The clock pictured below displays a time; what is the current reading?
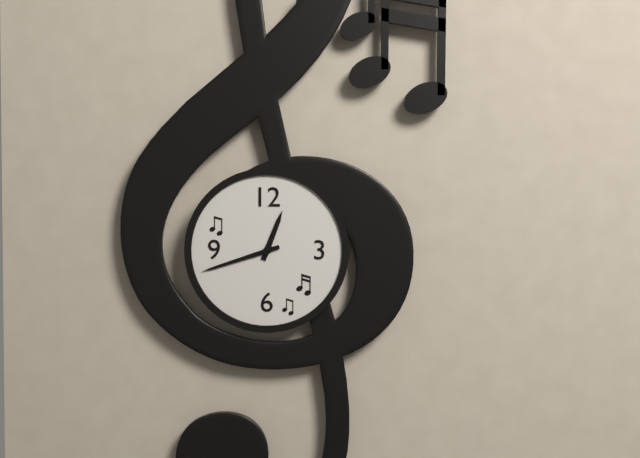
12:42
